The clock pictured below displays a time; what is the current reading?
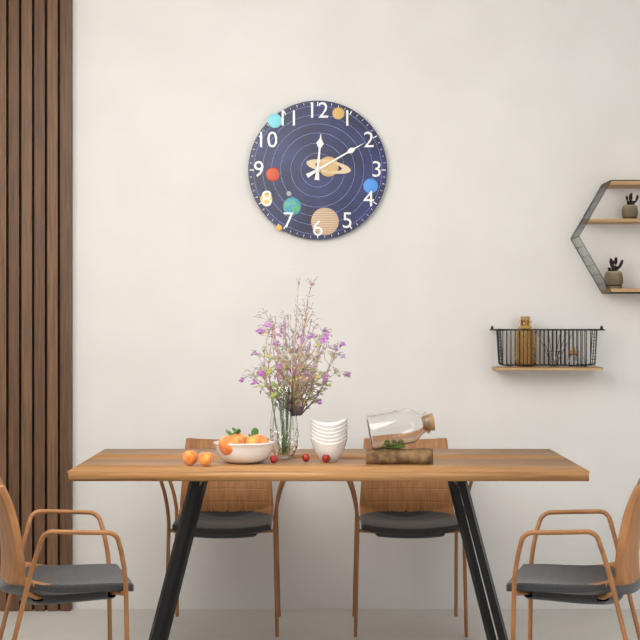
12:10
